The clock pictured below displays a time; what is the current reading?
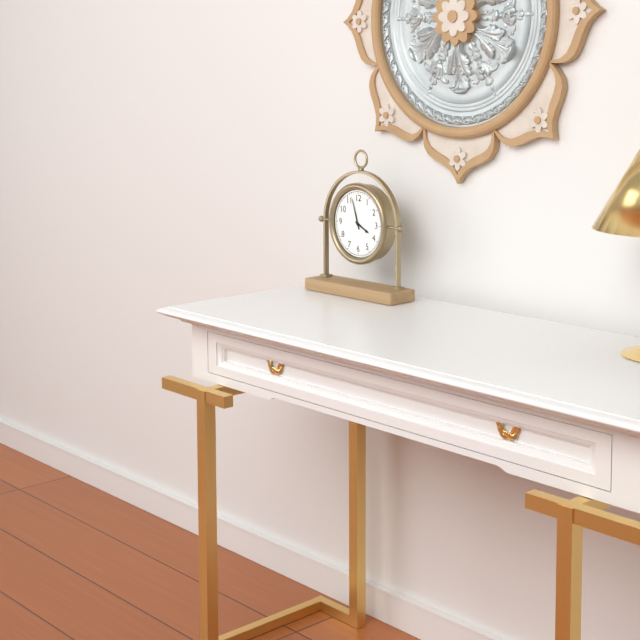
3:57
